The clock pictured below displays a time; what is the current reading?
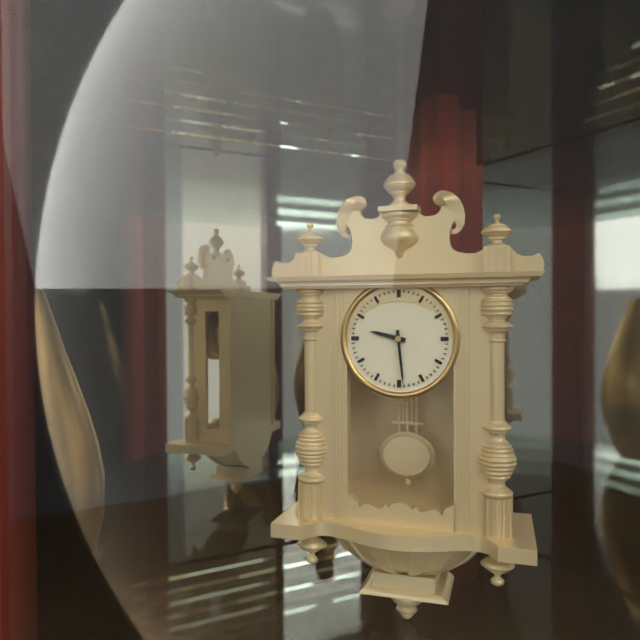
9:29
